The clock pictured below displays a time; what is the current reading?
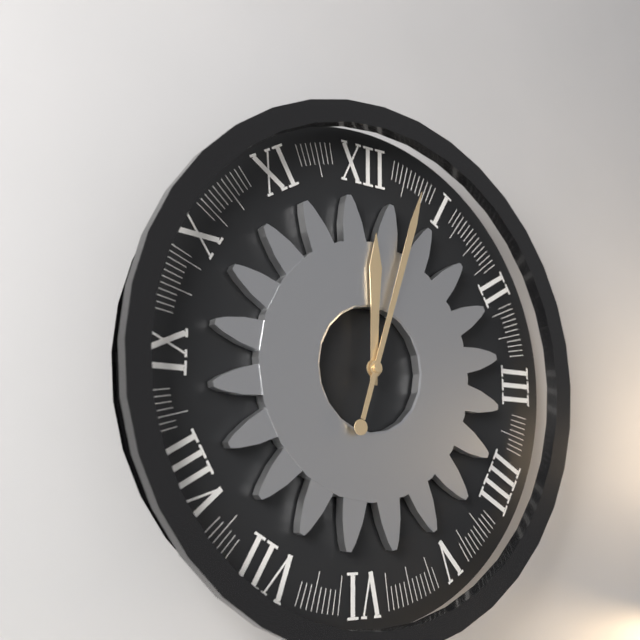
12:03
